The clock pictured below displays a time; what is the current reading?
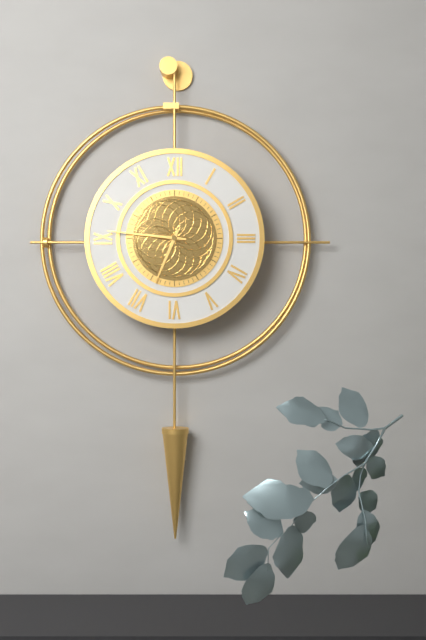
6:46
